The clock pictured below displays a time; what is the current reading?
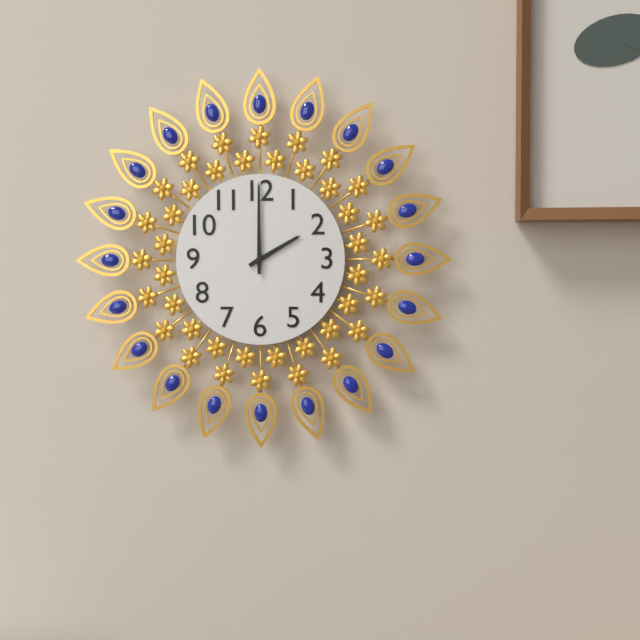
2:00
